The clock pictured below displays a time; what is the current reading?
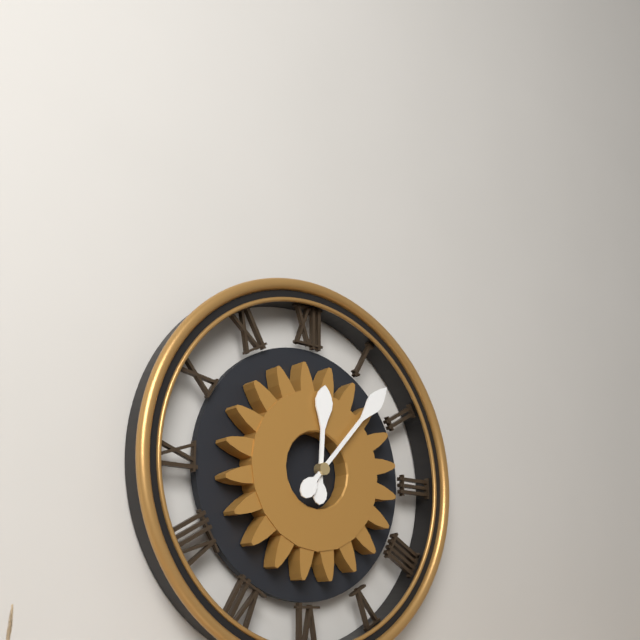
12:07
